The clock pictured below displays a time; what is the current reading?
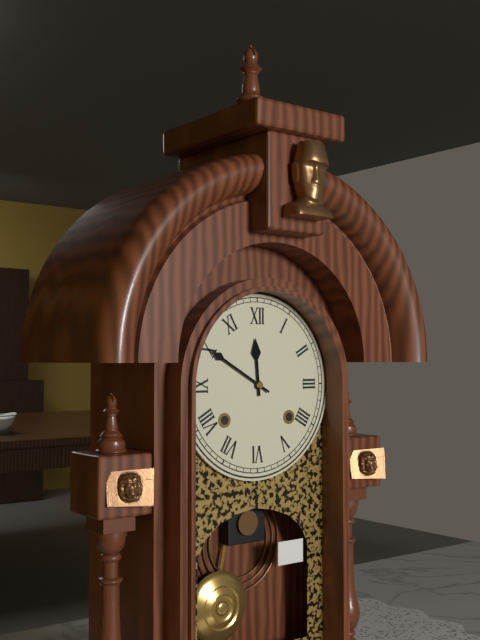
11:50
